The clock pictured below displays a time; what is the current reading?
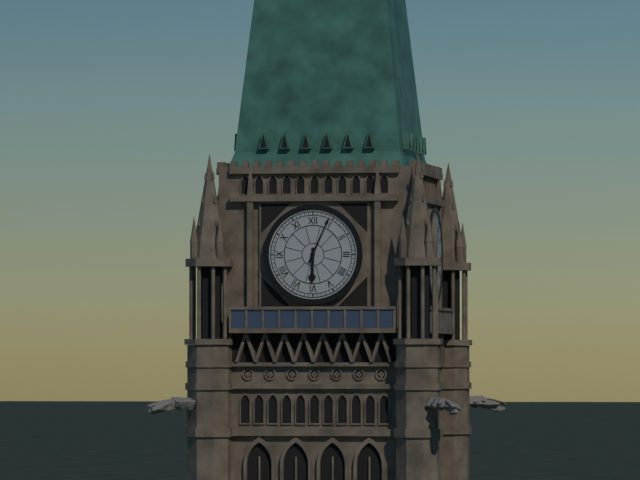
6:04
